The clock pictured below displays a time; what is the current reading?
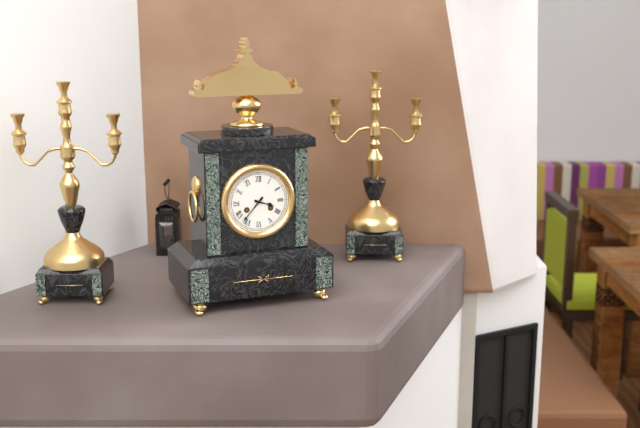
3:37
